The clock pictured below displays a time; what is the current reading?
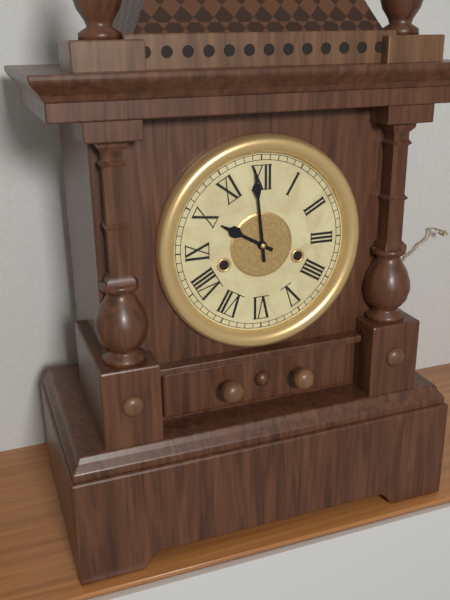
9:59
